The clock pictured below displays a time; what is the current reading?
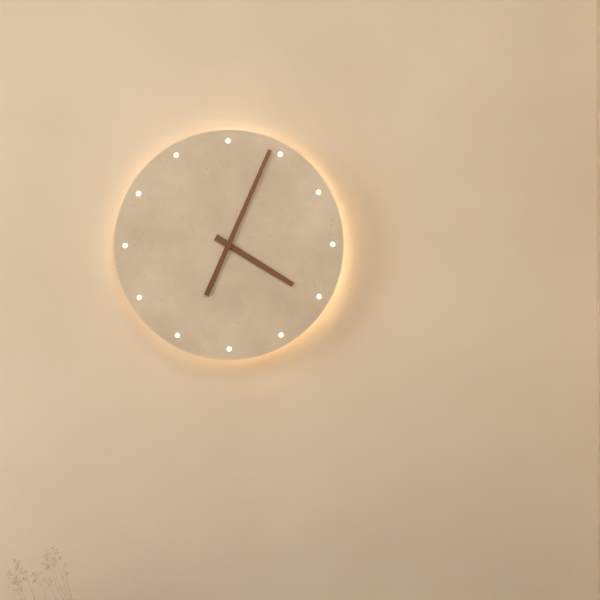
4:04
